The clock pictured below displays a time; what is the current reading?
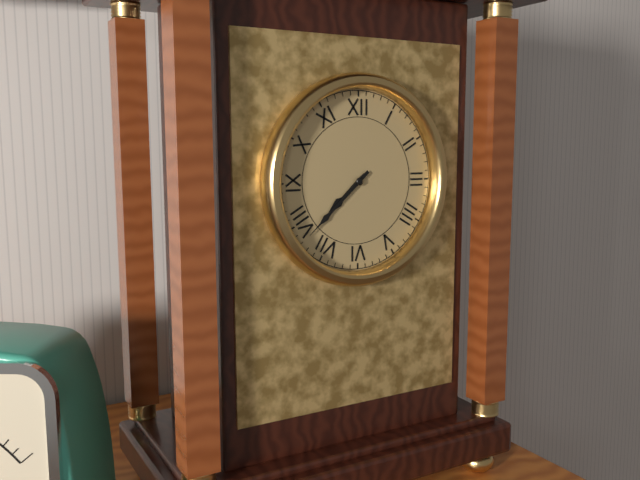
7:38
